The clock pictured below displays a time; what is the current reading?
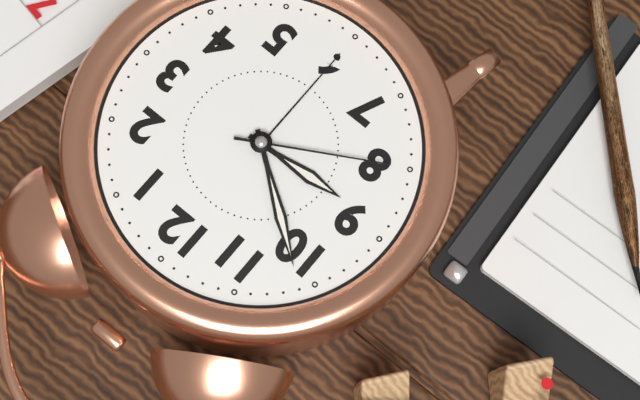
8:51:40
